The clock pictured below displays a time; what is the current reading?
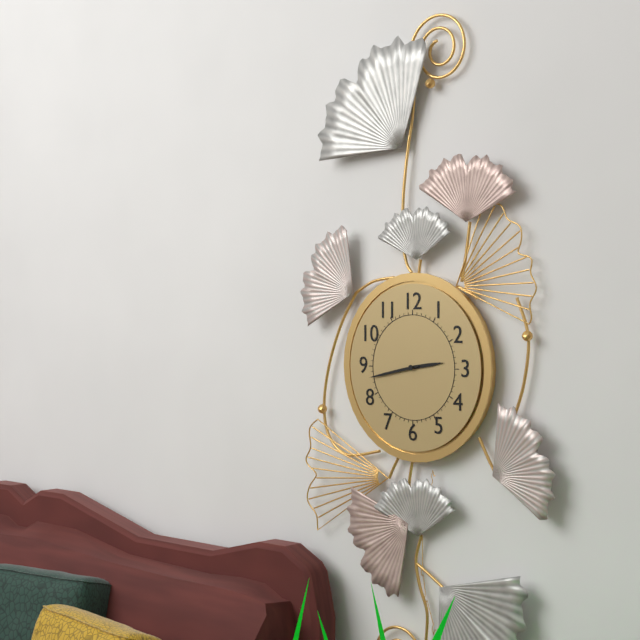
2:43
